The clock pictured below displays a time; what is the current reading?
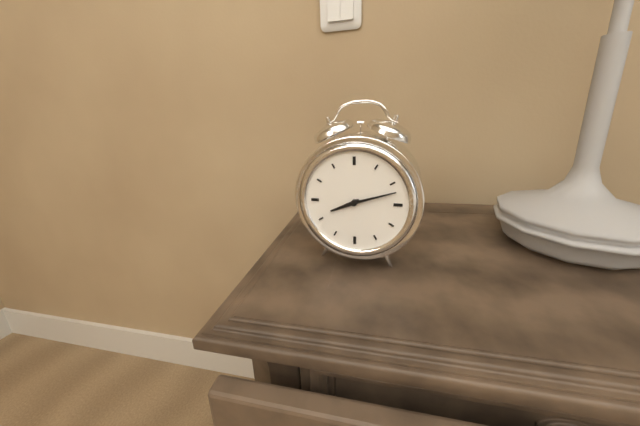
8:12
